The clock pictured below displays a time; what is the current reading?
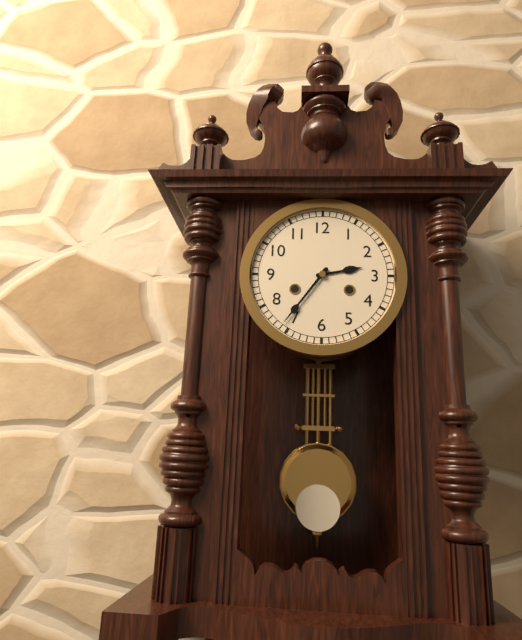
2:36
